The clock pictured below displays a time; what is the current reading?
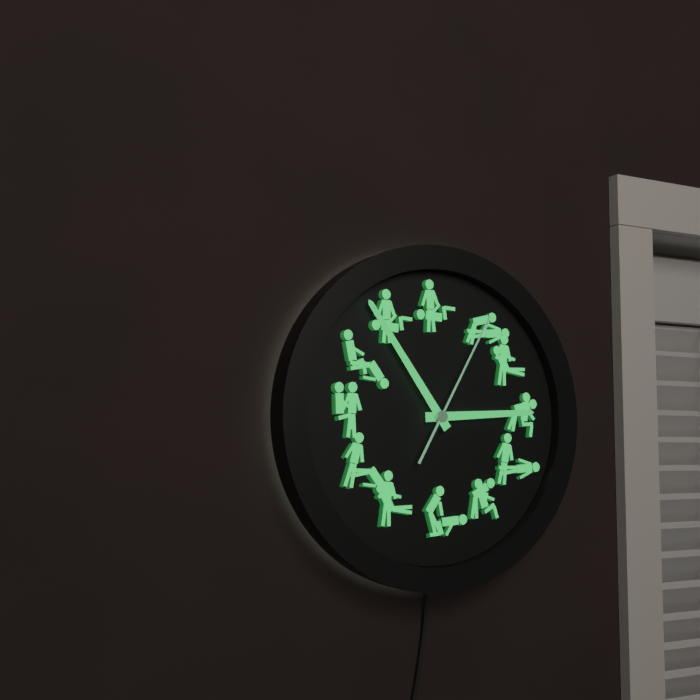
2:54:05
